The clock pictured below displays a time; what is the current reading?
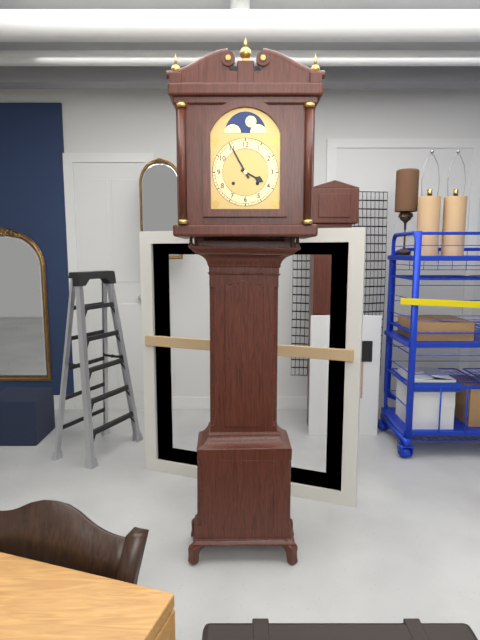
3:55
